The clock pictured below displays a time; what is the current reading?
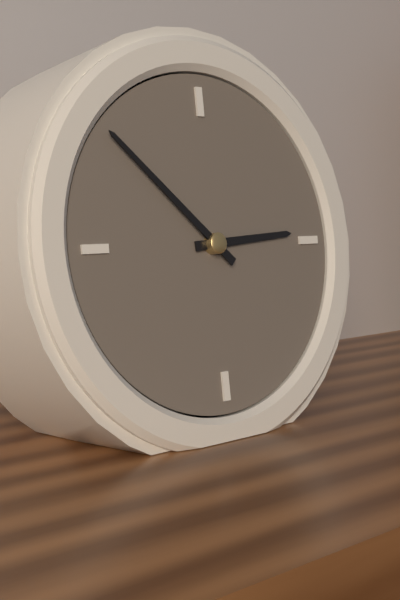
2:52
